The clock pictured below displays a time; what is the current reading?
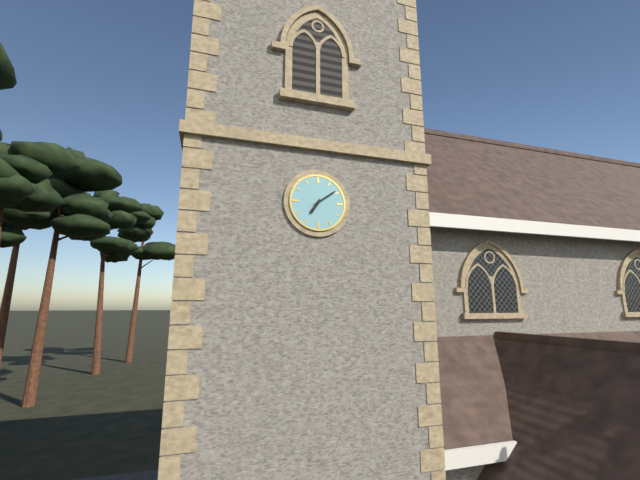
7:09
